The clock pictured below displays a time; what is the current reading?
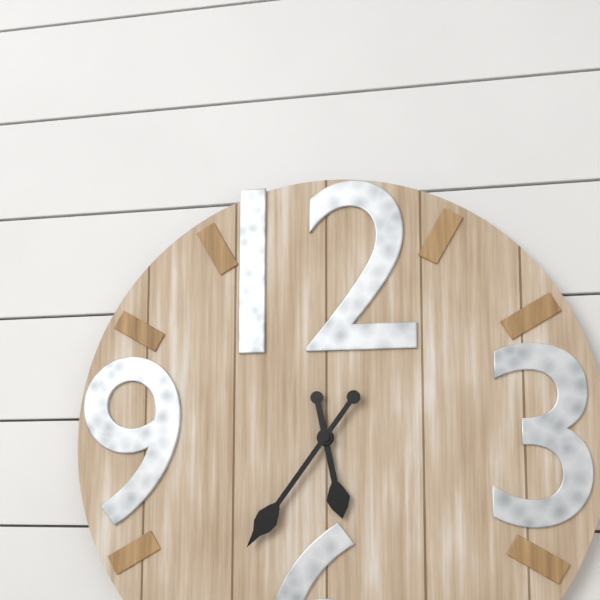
5:36
